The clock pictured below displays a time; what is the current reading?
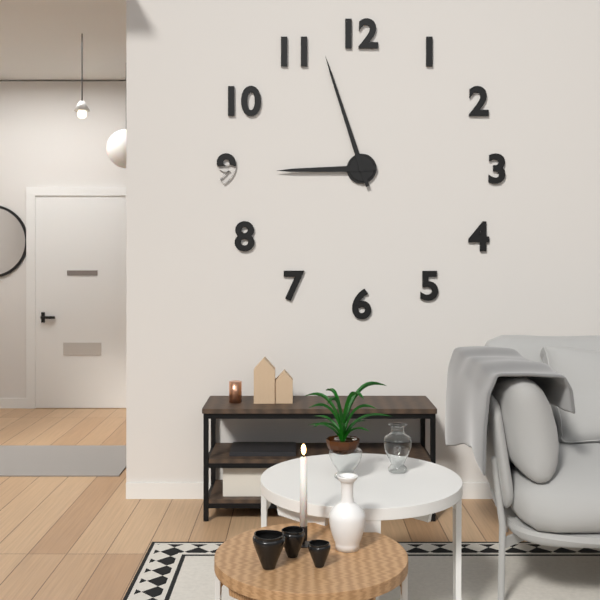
8:57
